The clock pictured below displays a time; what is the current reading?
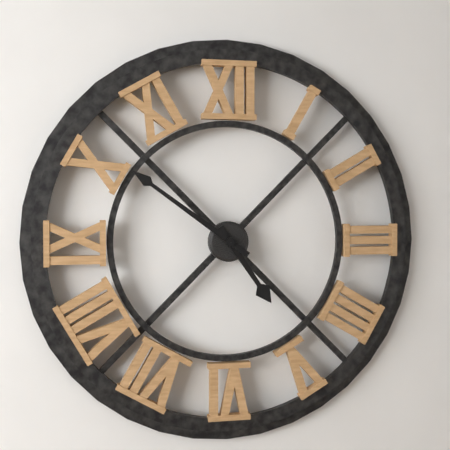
4:51
